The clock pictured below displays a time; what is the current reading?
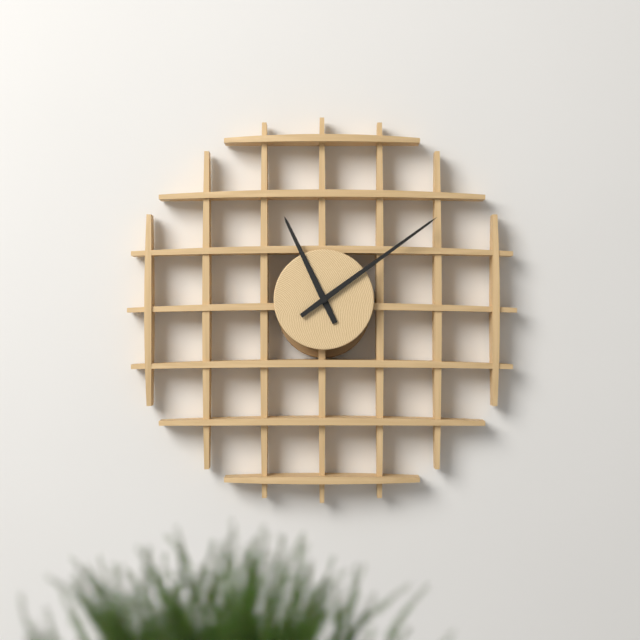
11:09
